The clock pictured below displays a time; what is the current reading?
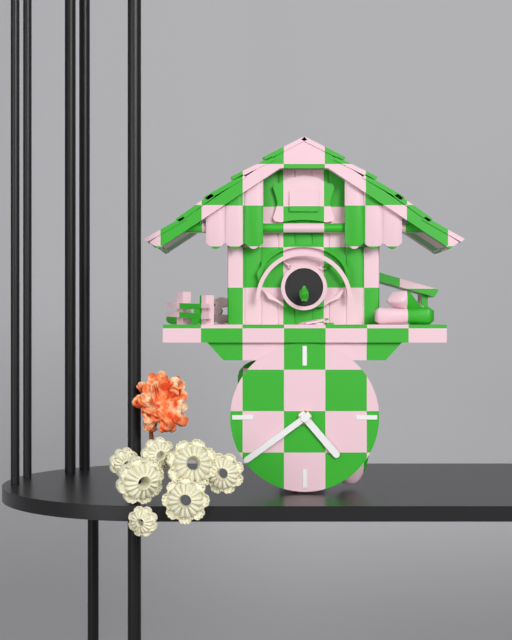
4:39
